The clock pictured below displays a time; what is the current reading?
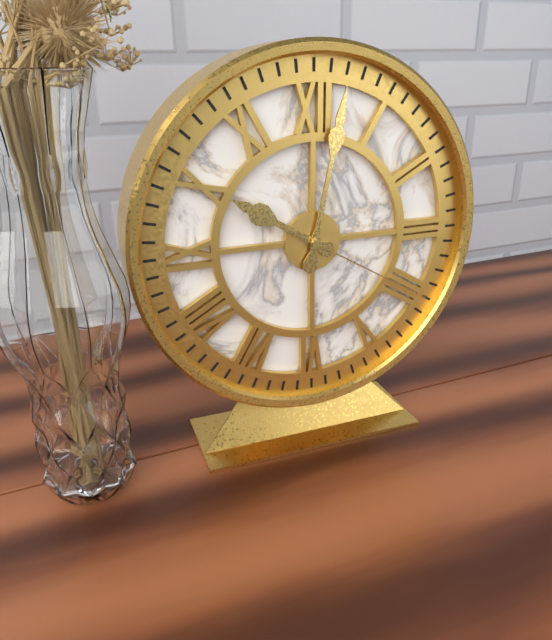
10:02:20
